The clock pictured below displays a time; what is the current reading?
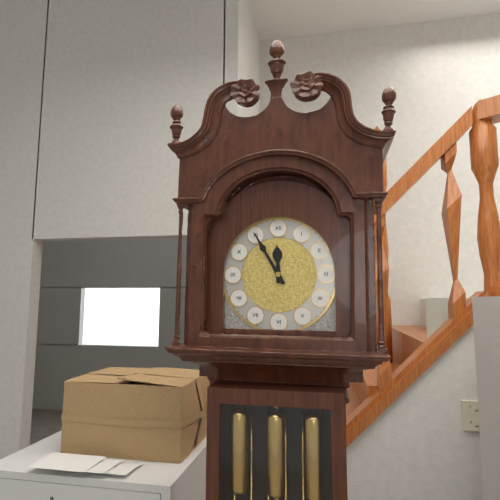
11:55
